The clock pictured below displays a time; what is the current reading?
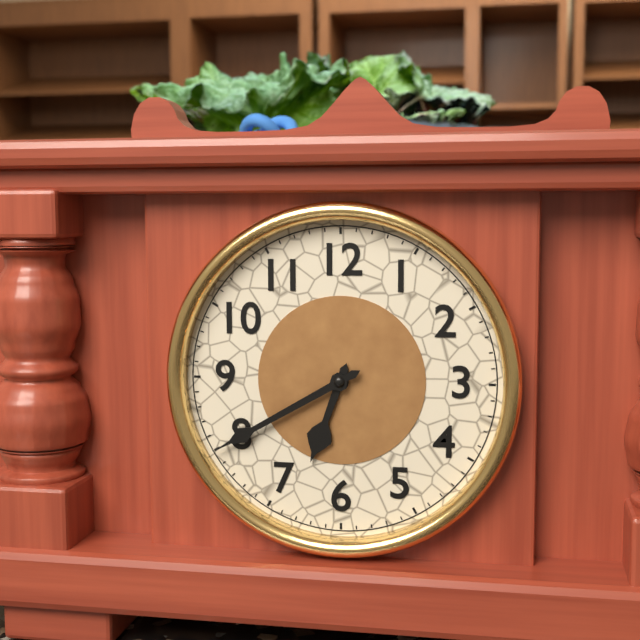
6:40
